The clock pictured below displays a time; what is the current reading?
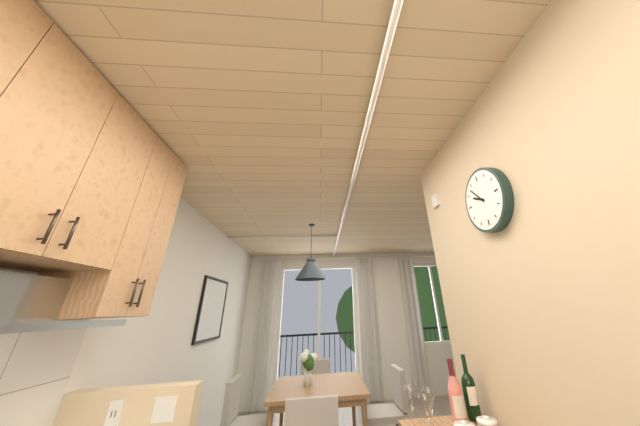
9:53
